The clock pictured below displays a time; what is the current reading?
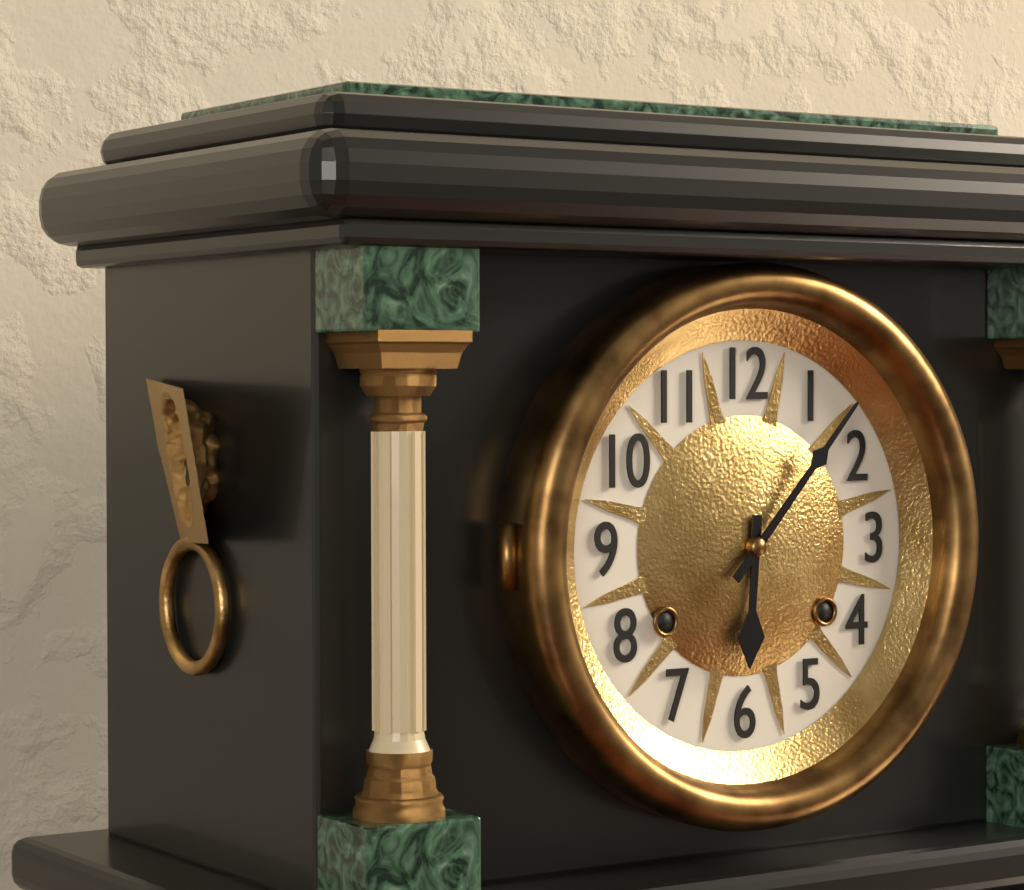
6:07
